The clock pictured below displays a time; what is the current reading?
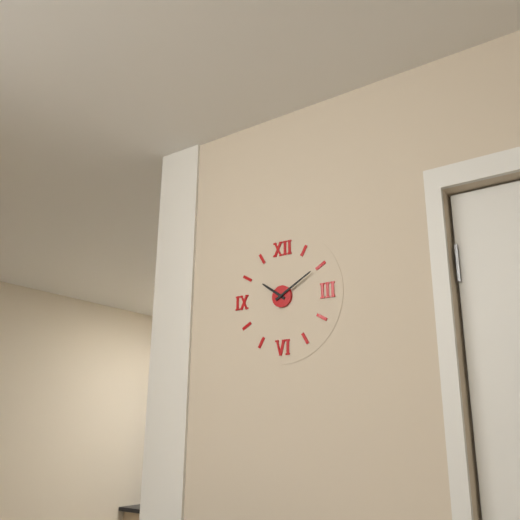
10:10
